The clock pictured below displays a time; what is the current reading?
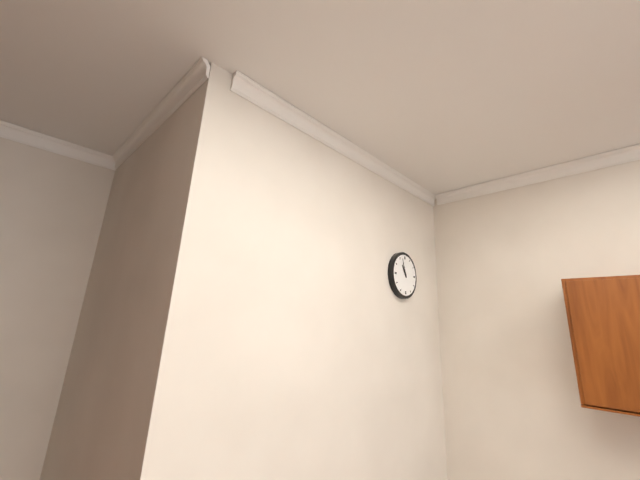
10:57
